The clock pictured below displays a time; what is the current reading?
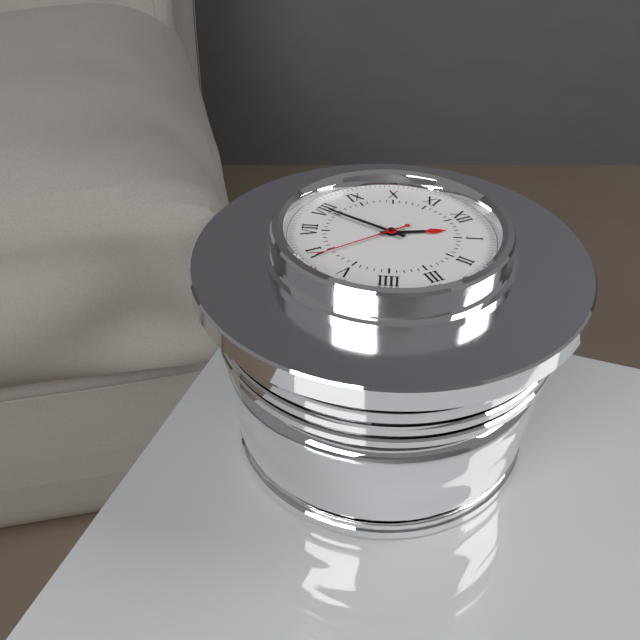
12:40:29
